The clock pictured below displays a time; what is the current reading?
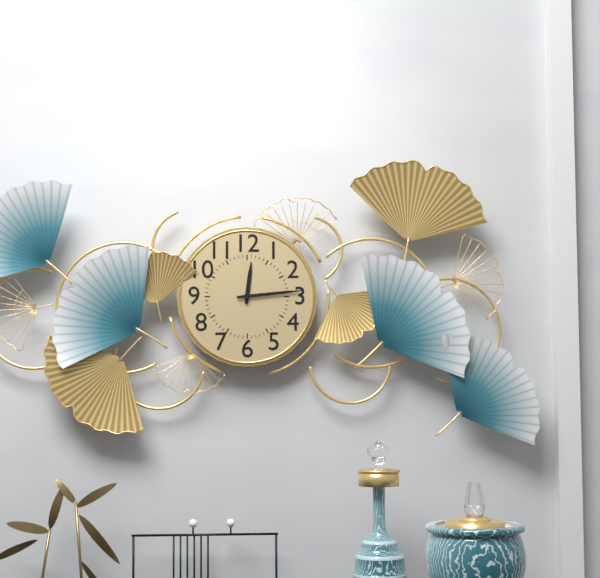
12:14
